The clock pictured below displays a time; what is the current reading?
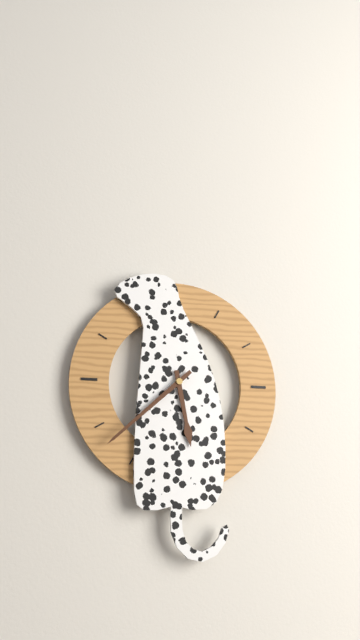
5:38
